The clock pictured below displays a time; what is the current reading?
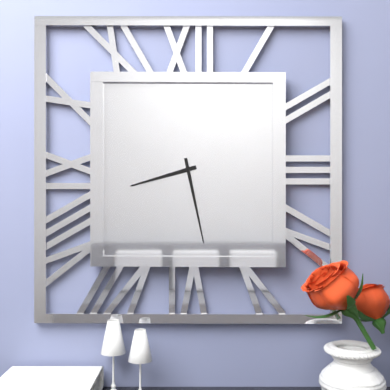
8:28
